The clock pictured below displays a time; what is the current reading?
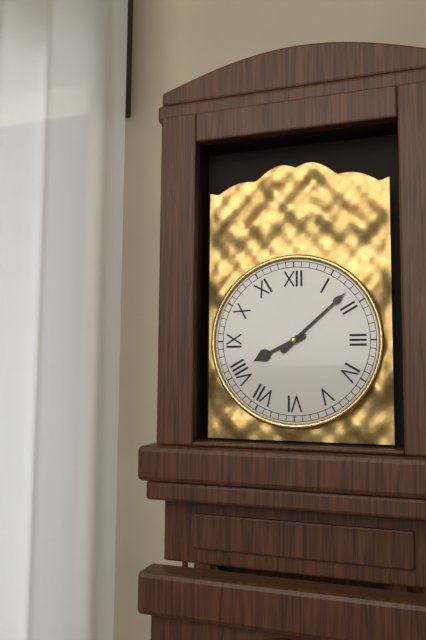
8:08
